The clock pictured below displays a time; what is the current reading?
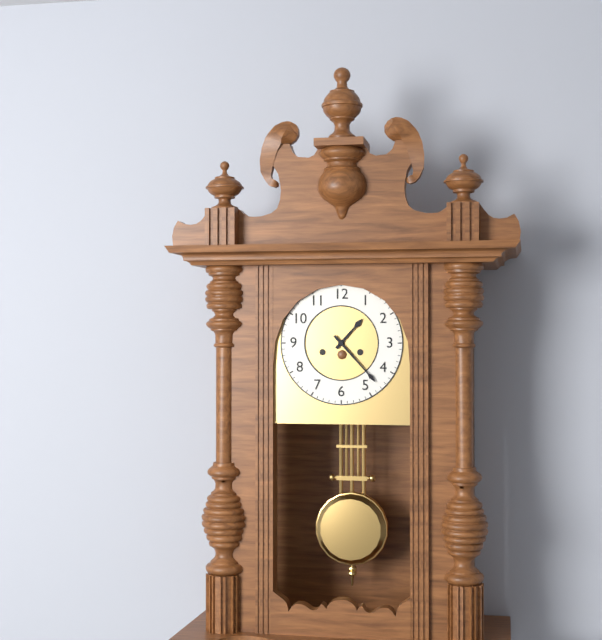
1:23
